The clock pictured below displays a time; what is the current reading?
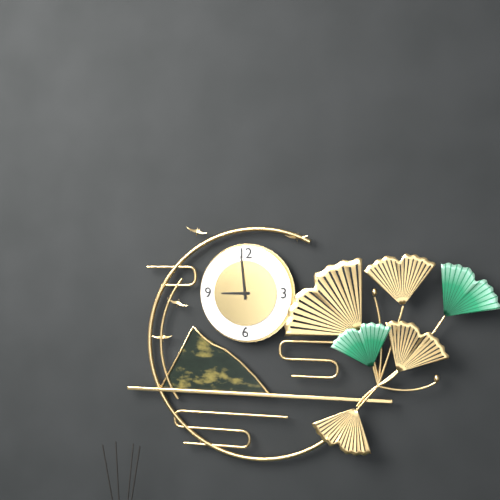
8:59
